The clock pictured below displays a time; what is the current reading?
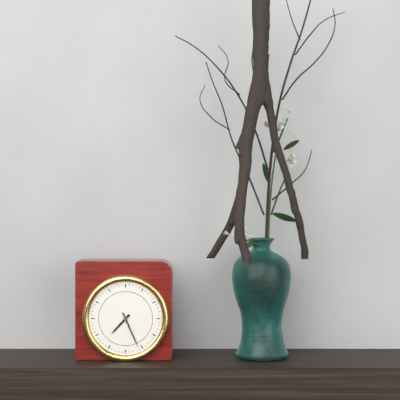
7:26
